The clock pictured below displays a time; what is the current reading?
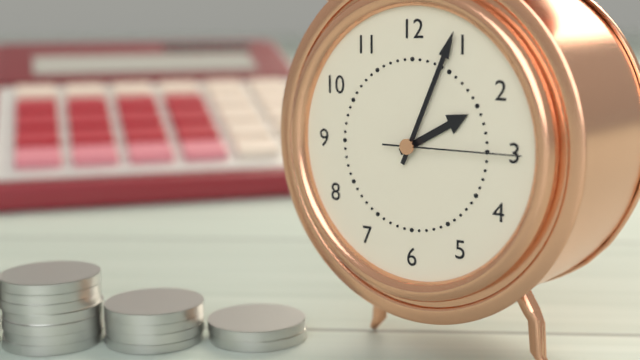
2:04:15
